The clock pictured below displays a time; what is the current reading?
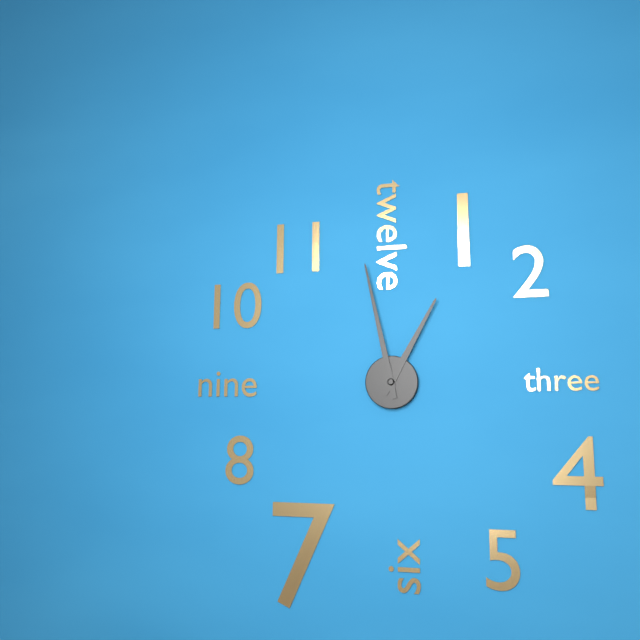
12:58
